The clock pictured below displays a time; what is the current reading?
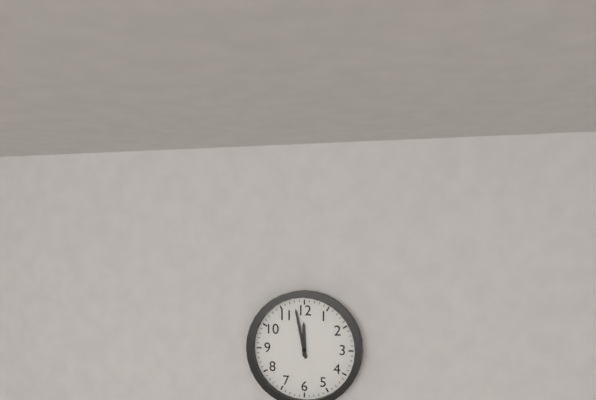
11:58
